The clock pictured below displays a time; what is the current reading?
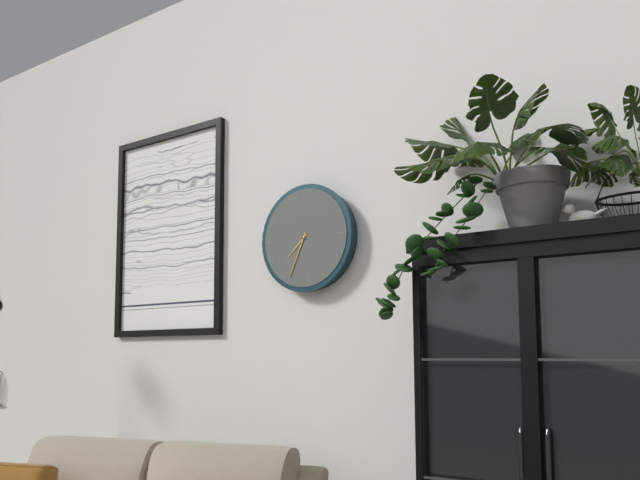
7:34
